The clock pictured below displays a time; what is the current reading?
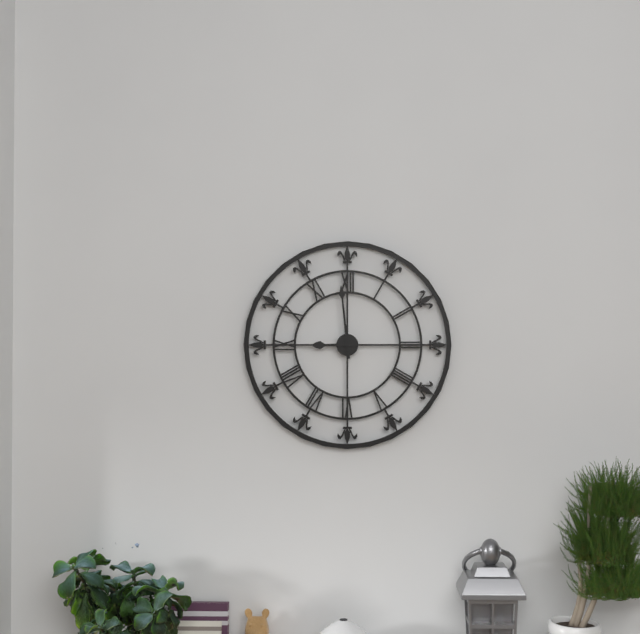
8:59
